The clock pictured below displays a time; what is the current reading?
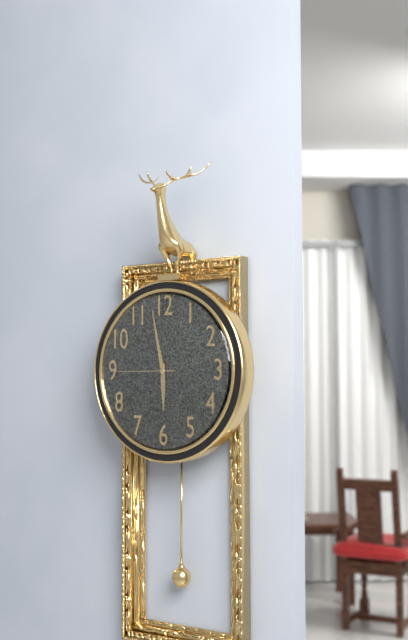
5:58:45
